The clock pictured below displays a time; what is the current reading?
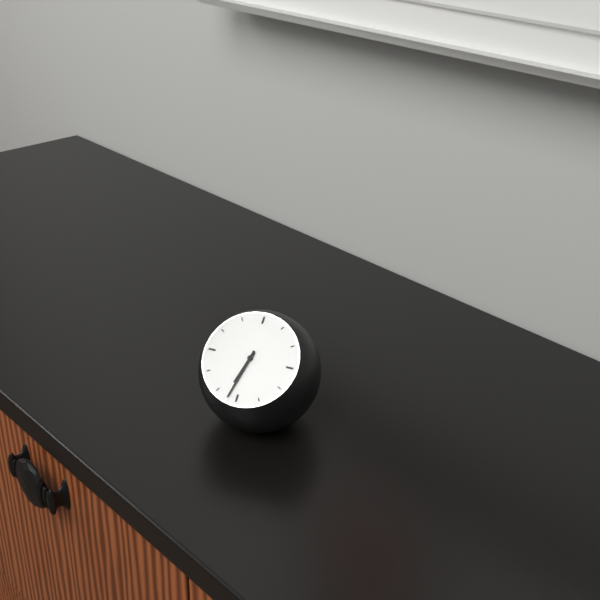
6:32
